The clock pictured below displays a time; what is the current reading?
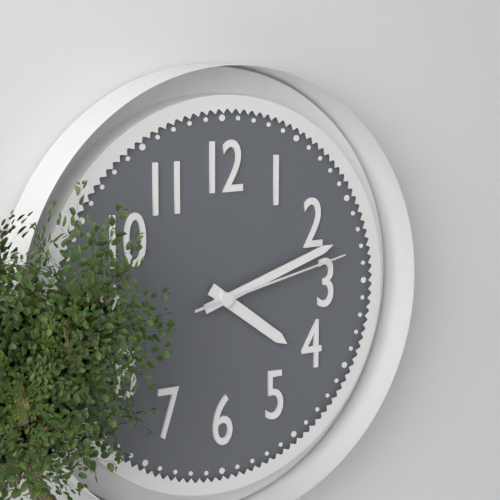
4:12:13
